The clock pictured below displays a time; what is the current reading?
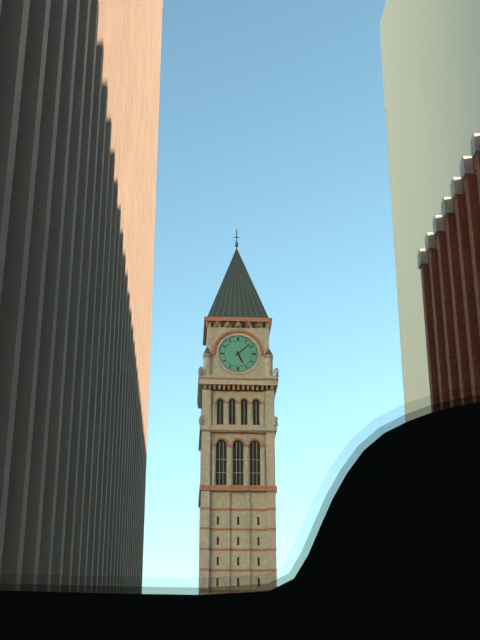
5:08
